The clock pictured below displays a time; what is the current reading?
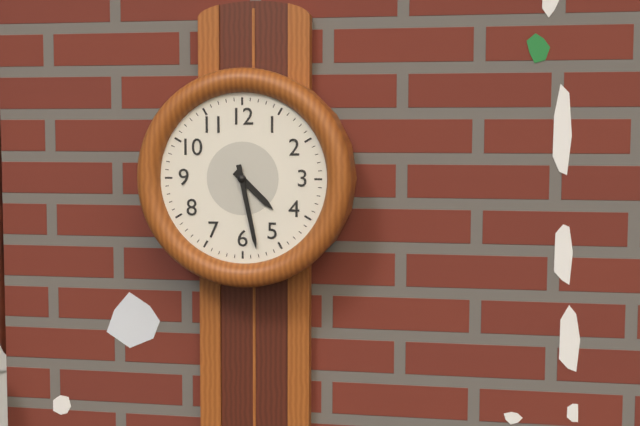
4:28
